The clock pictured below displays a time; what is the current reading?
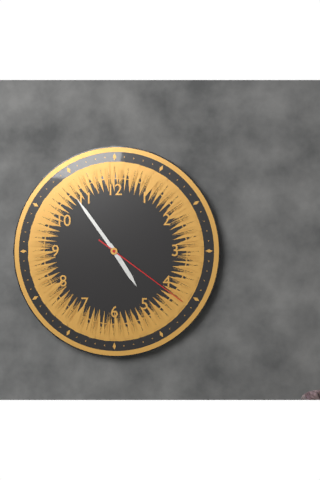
4:54:21
